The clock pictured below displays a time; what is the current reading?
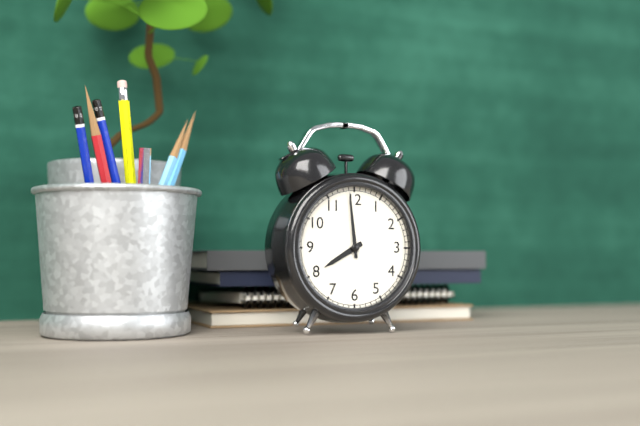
7:59
